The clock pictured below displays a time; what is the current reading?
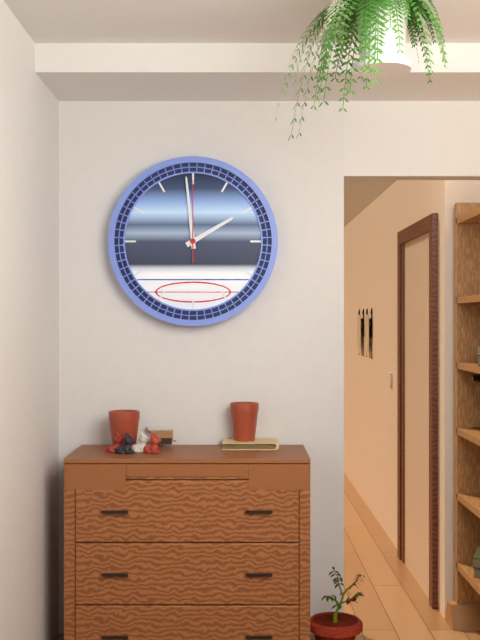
1:59:00
